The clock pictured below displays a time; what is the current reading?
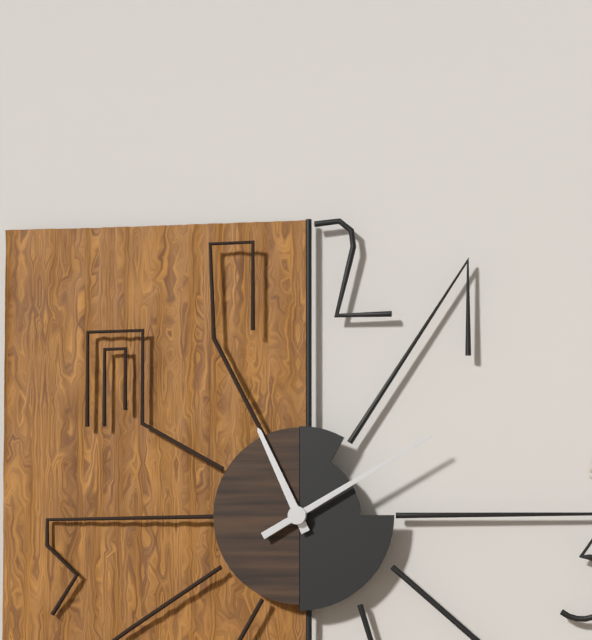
11:10
